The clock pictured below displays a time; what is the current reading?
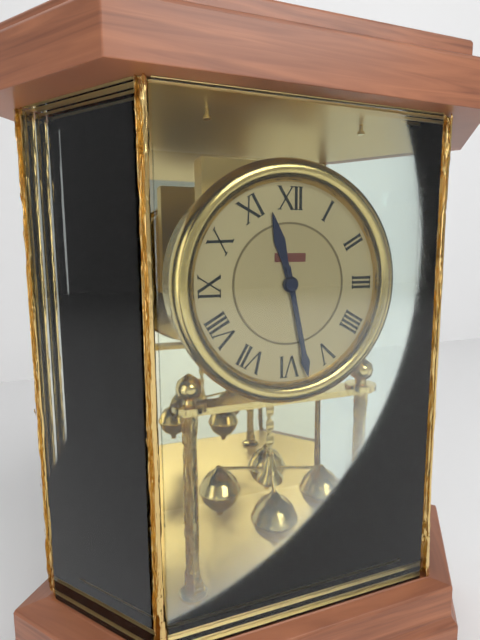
11:28
